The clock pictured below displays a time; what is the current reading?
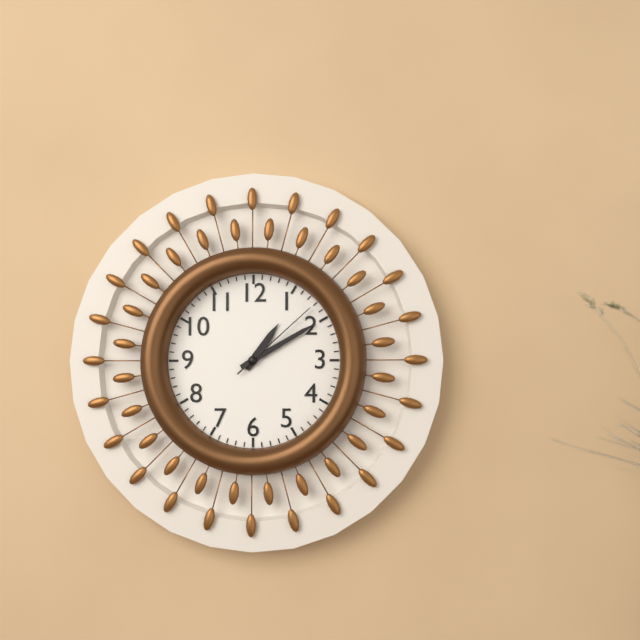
1:10:08
